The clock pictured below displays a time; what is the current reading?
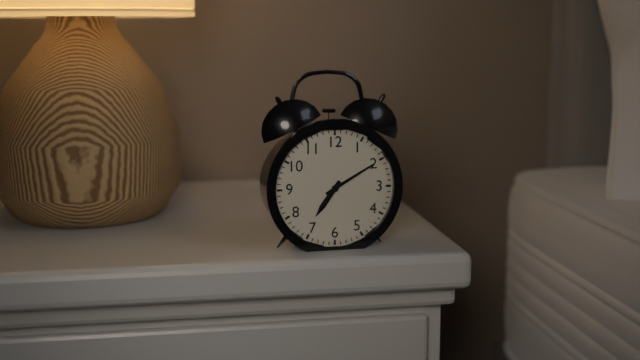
7:10
